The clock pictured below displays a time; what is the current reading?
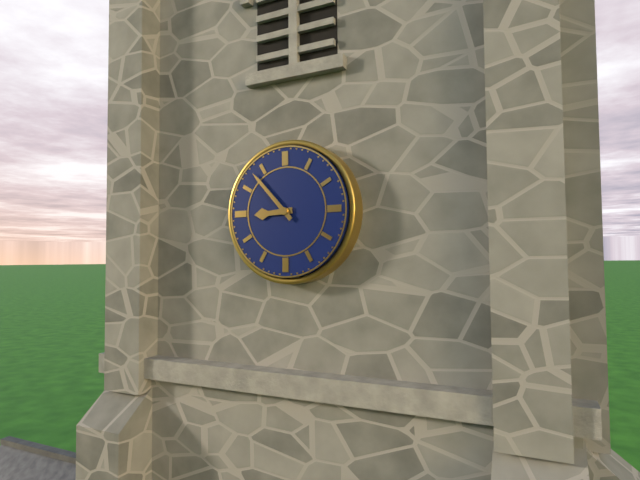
8:53
